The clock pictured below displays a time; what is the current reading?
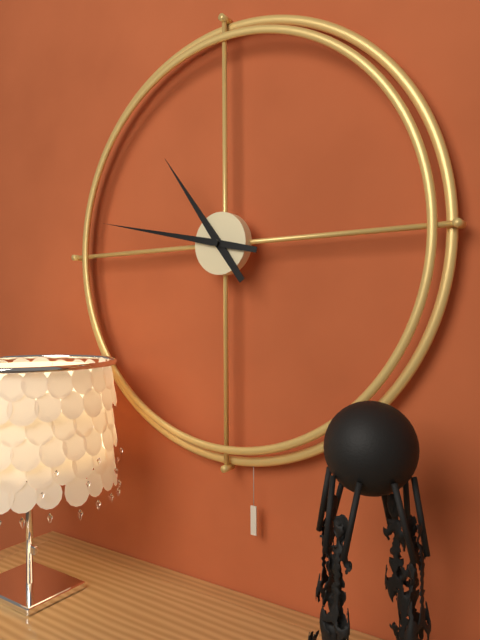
10:47
